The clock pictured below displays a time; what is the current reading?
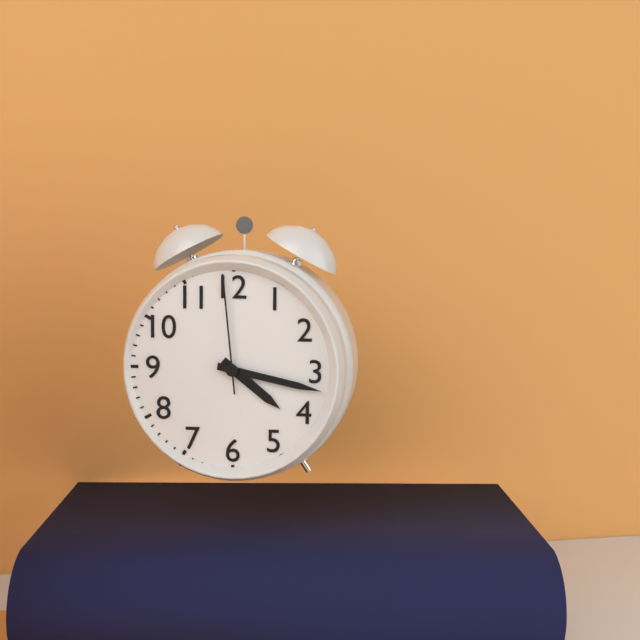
4:17:59
